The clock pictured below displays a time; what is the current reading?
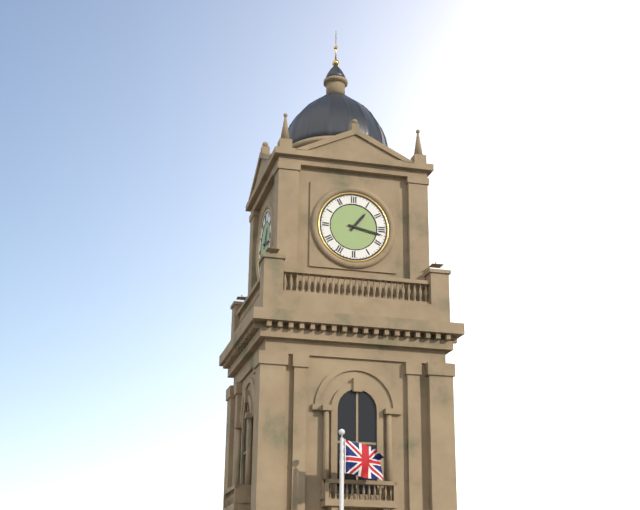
1:17
